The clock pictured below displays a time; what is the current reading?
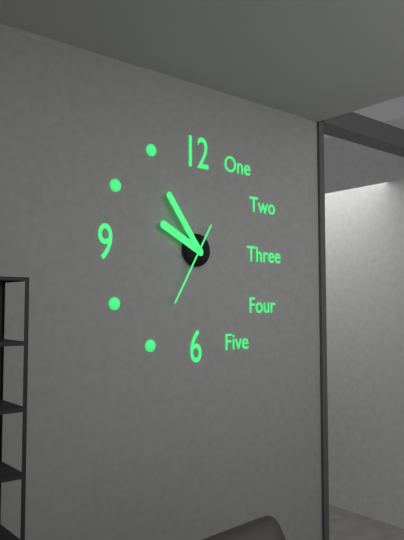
9:54:35
